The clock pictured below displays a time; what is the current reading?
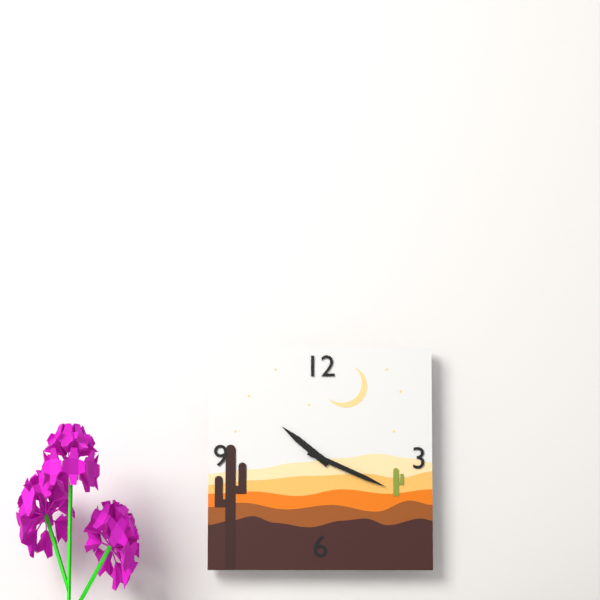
10:19
